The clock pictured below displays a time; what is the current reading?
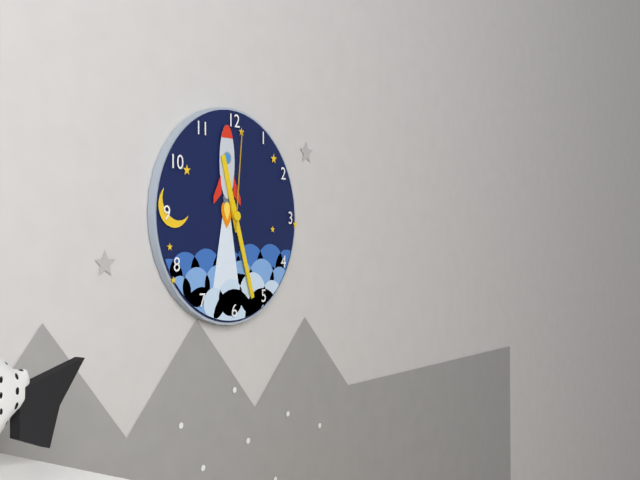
11:27:01
